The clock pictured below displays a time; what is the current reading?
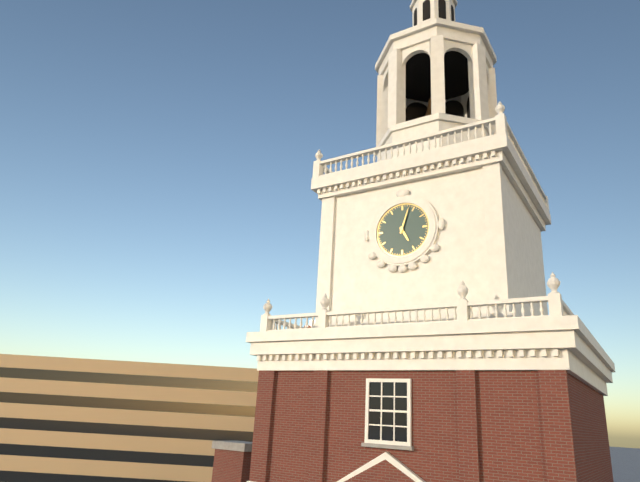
5:03
